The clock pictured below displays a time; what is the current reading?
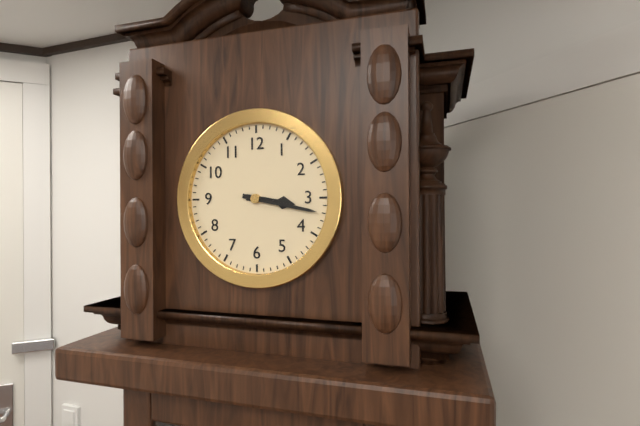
3:17
